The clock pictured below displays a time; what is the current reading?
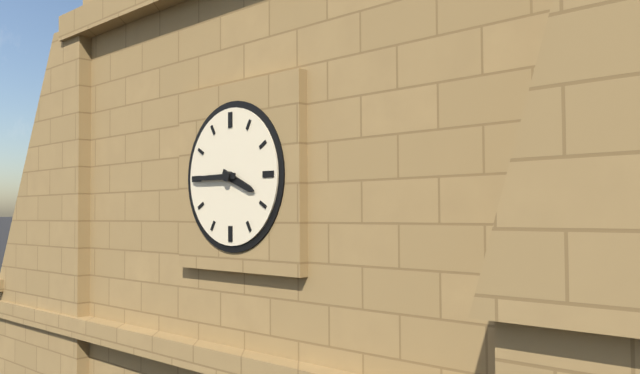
3:45
